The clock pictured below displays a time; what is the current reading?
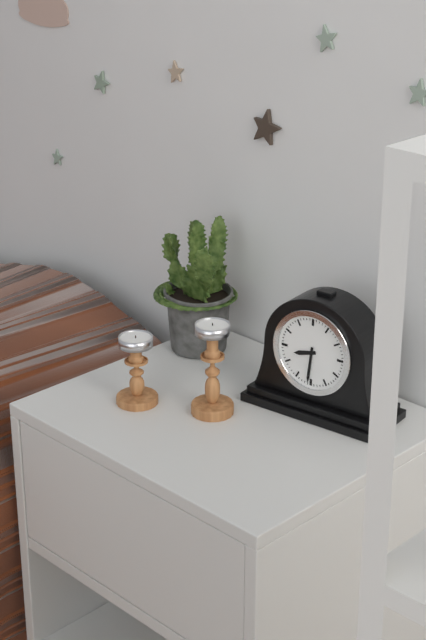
8:31
